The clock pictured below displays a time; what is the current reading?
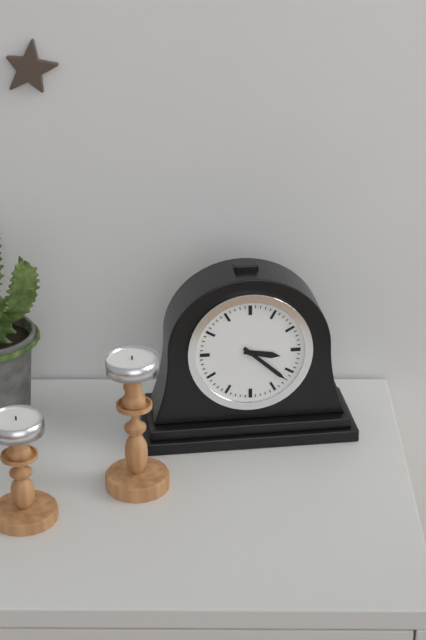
3:22
